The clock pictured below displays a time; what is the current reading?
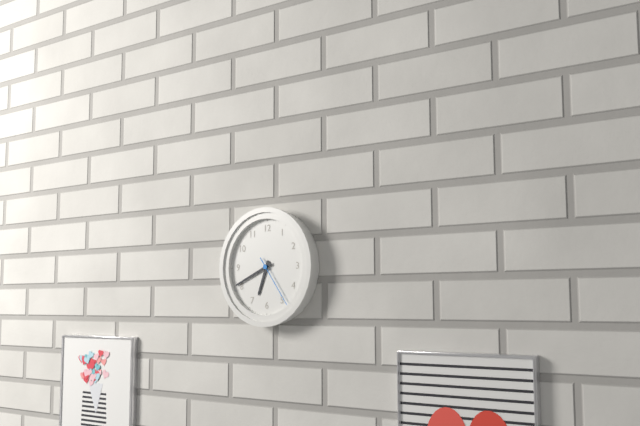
6:41:24
